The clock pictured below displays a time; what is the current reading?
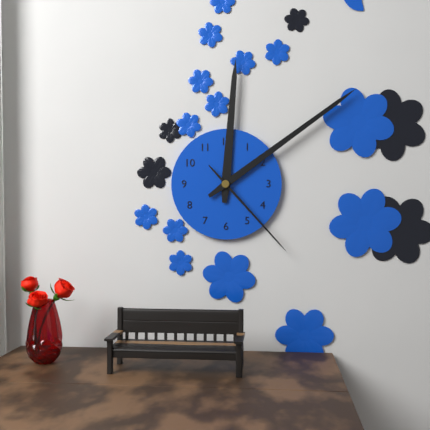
12:09:23
